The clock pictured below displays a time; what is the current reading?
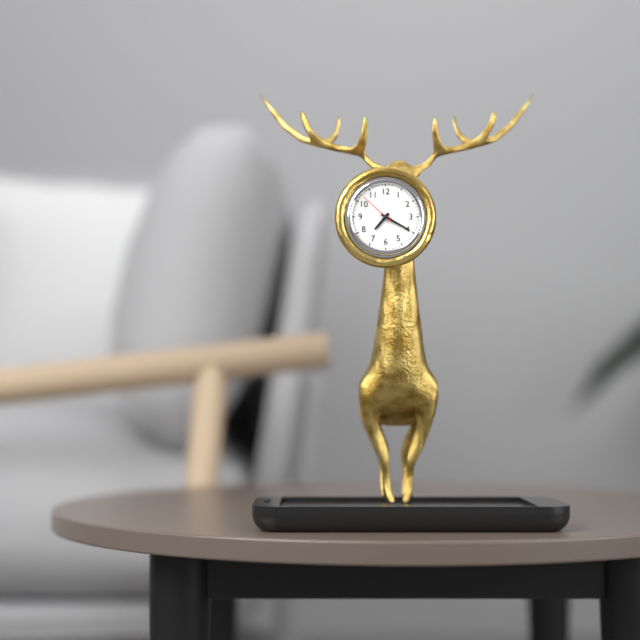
7:20
